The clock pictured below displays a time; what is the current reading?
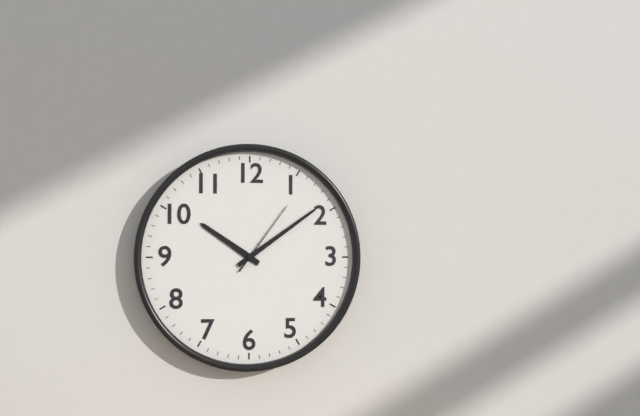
10:09:06
